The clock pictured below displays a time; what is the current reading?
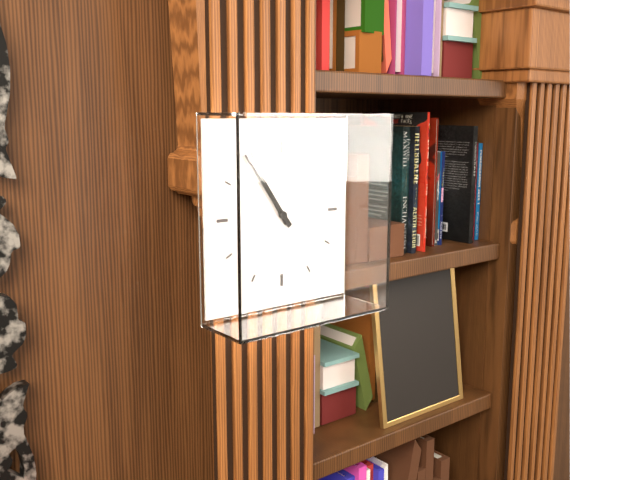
10:54
